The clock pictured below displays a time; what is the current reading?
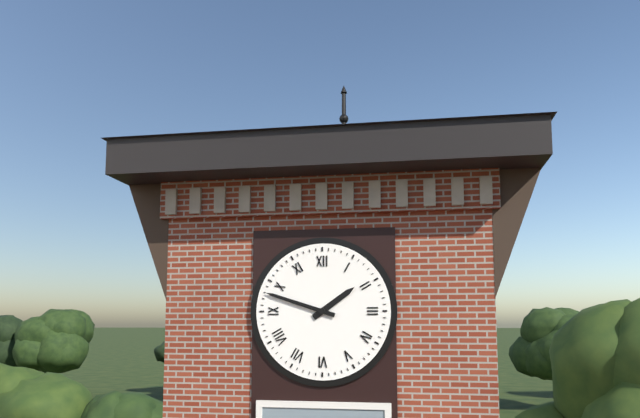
1:48
